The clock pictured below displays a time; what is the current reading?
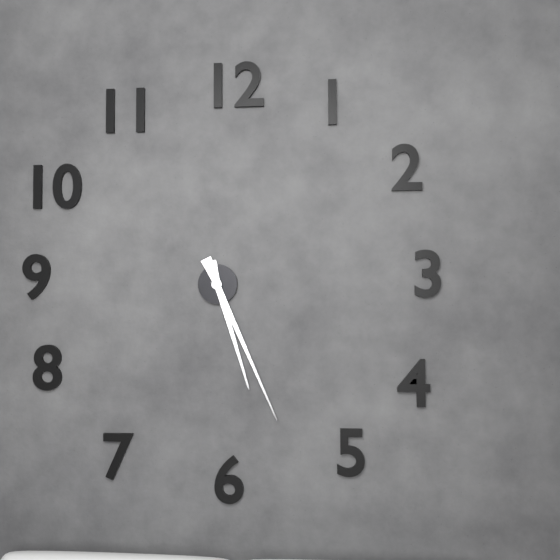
5:26
